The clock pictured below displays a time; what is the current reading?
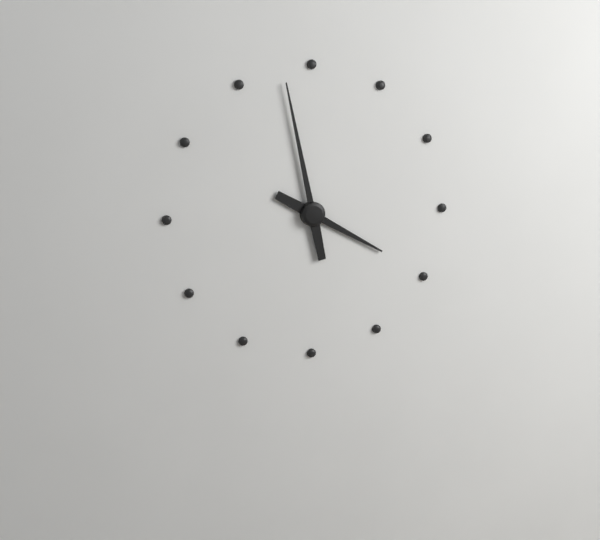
3:58
